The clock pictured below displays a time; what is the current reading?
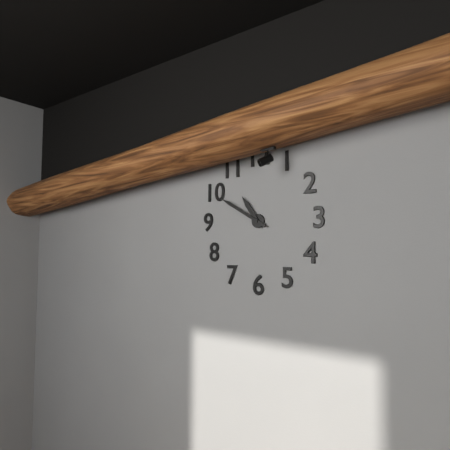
10:50
